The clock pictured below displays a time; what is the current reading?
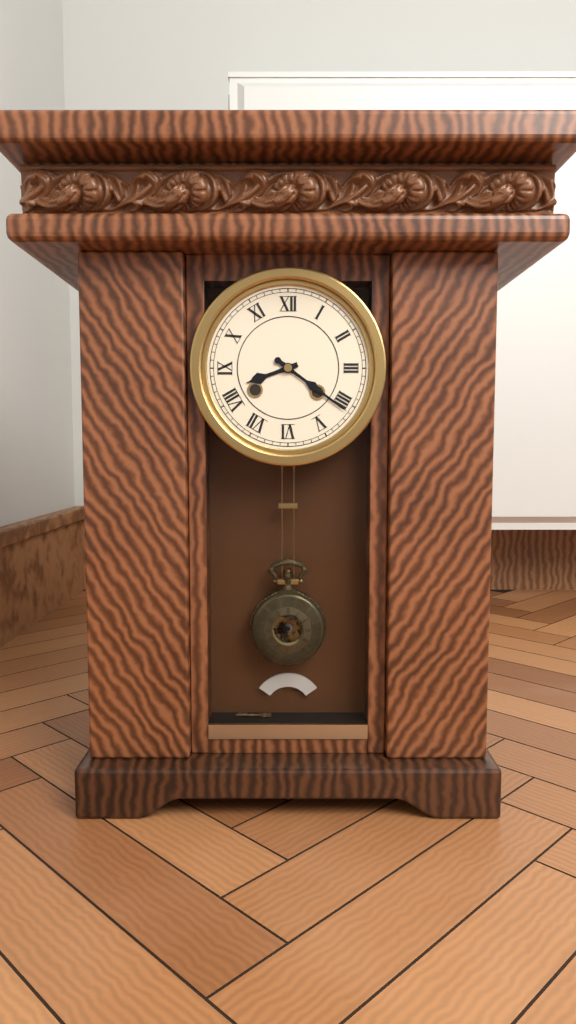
8:21
